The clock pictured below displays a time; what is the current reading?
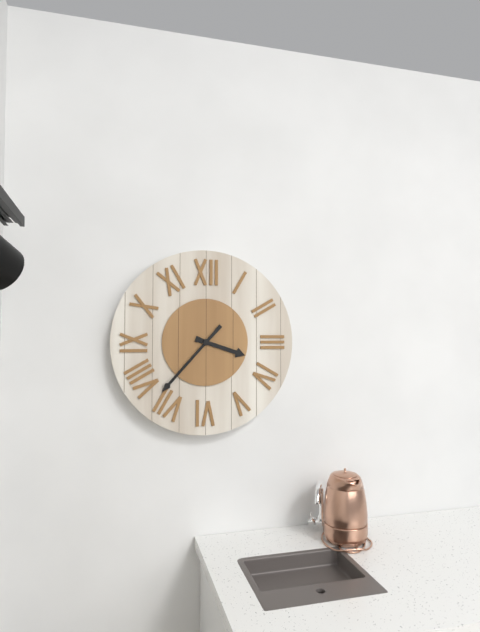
3:37
